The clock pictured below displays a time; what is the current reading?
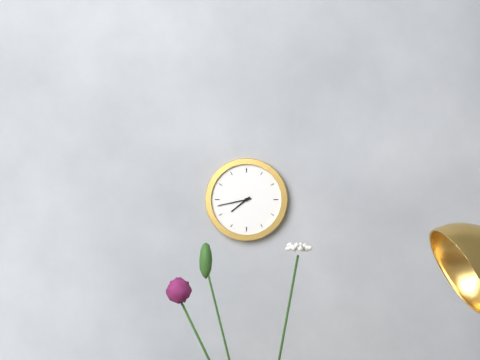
7:43
